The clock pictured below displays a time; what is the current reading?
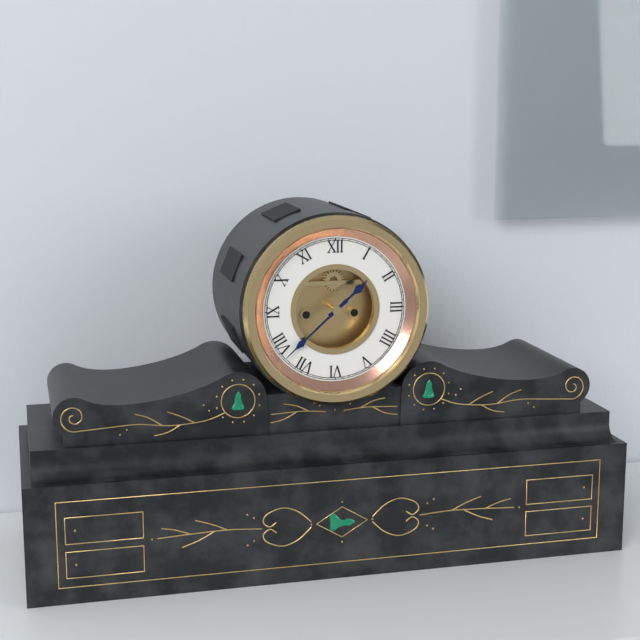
1:38
